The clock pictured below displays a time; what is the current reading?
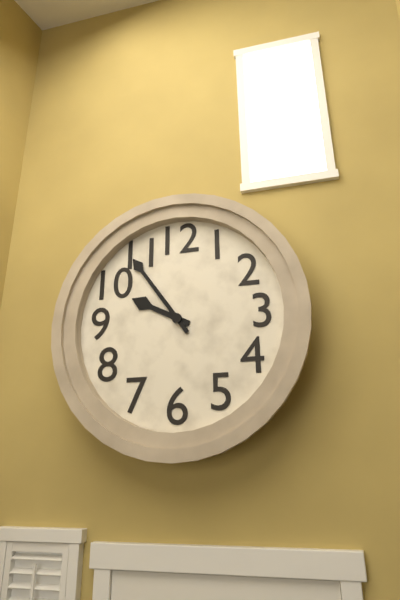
9:54
